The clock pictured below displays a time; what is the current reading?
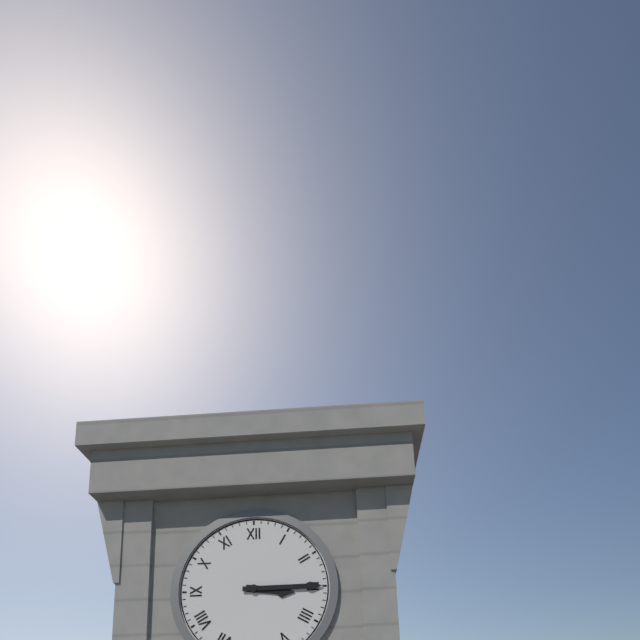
3:15
